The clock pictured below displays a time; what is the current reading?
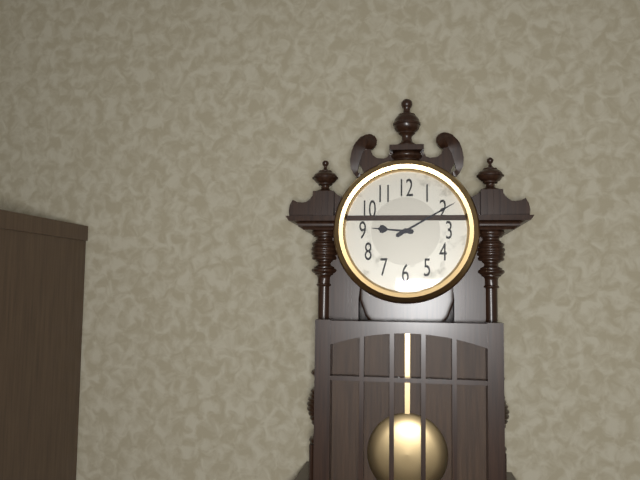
9:10
